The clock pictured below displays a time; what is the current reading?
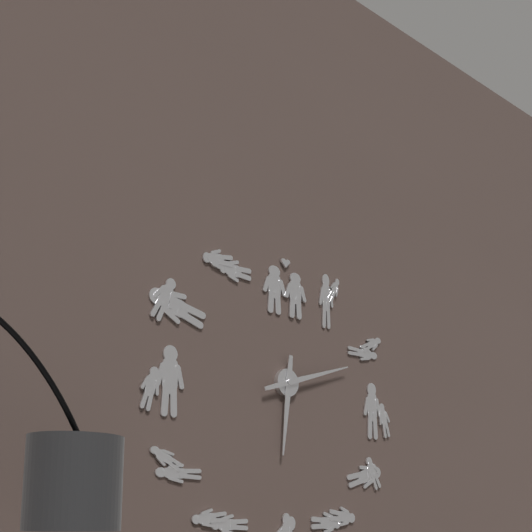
6:12
